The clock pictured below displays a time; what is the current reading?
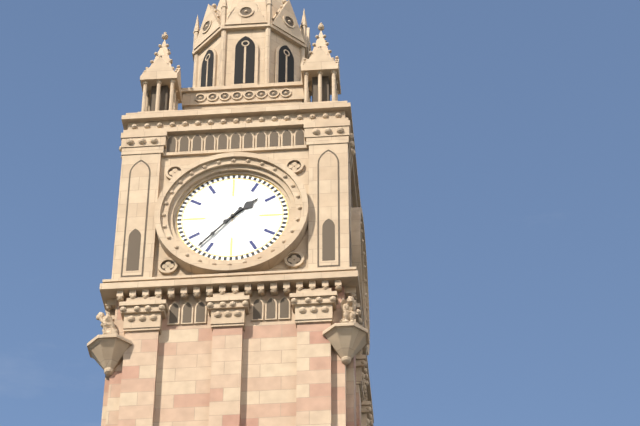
1:37
